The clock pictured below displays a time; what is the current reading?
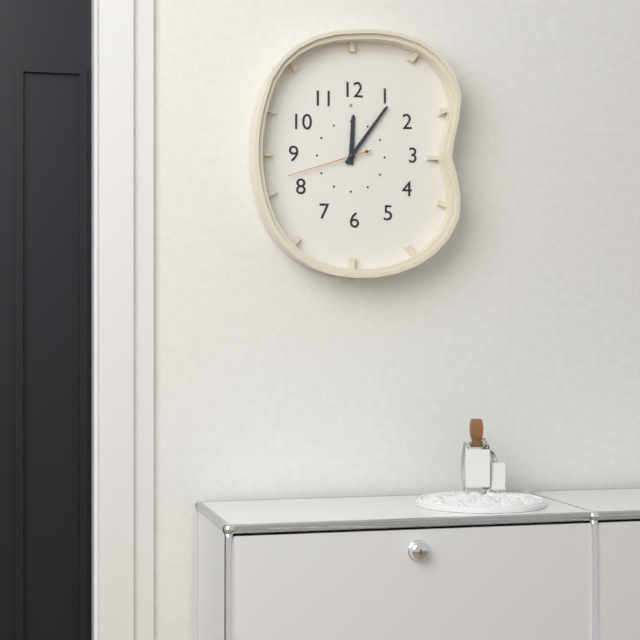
12:06:42
